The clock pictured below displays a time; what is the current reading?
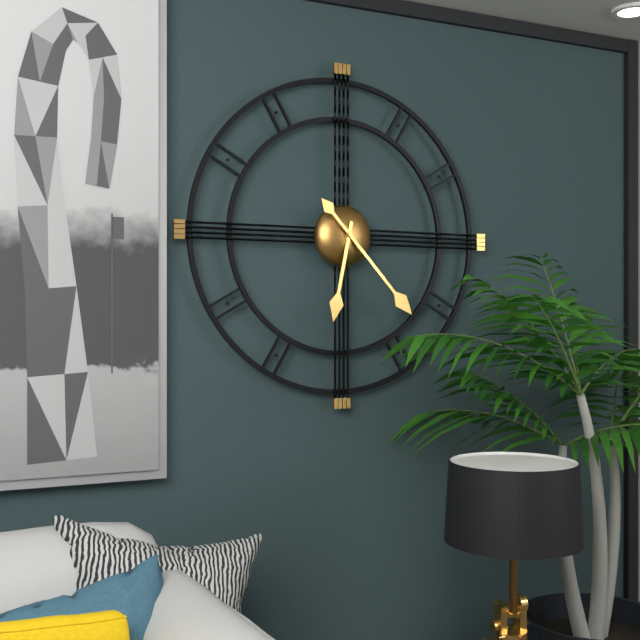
6:23
